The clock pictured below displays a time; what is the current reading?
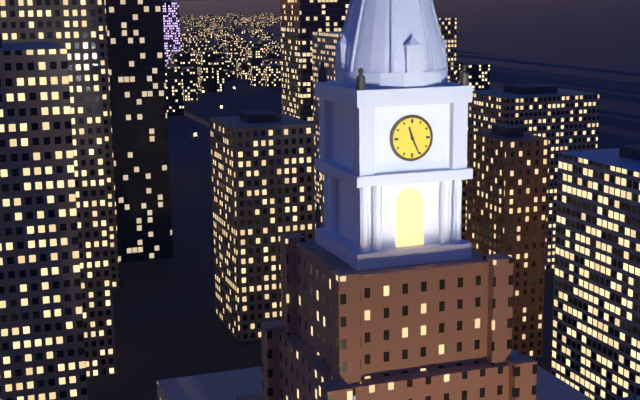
11:26
